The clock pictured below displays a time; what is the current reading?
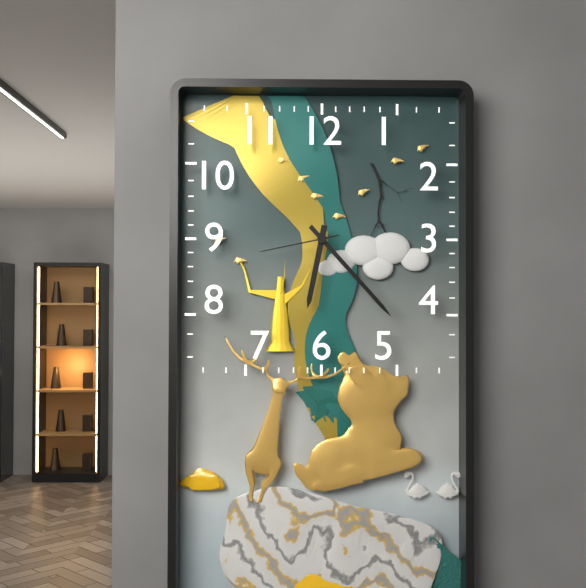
6:23:43
